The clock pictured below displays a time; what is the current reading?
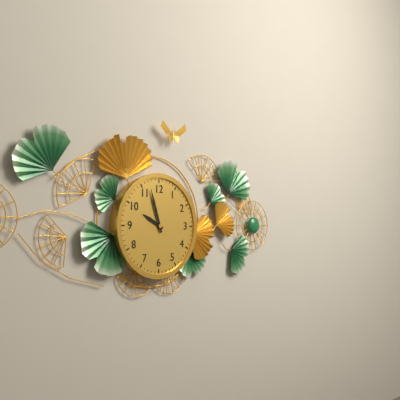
9:57
